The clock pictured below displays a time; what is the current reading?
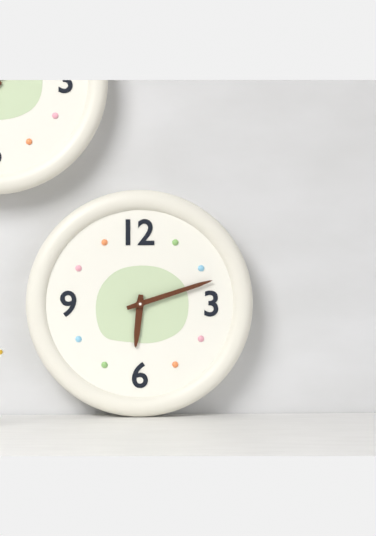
6:12
